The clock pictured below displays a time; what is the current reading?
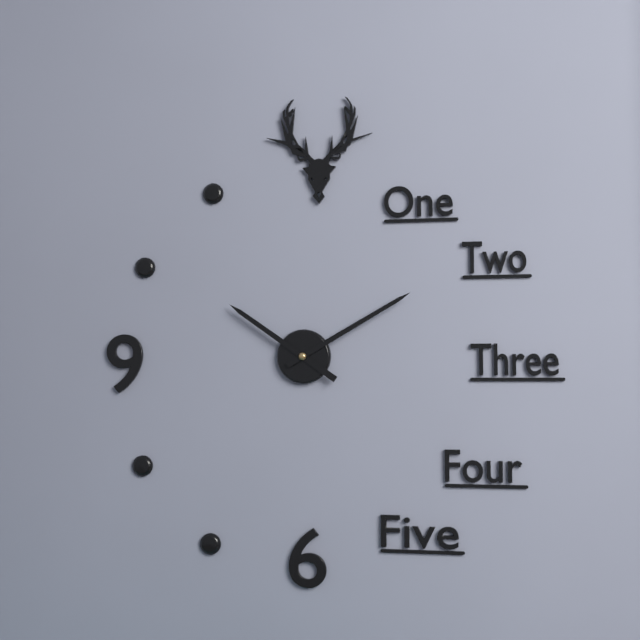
10:10
